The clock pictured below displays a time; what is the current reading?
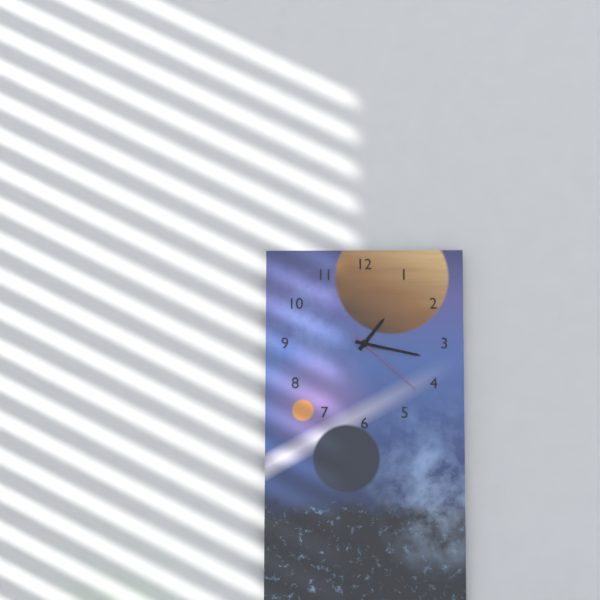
1:17:22
